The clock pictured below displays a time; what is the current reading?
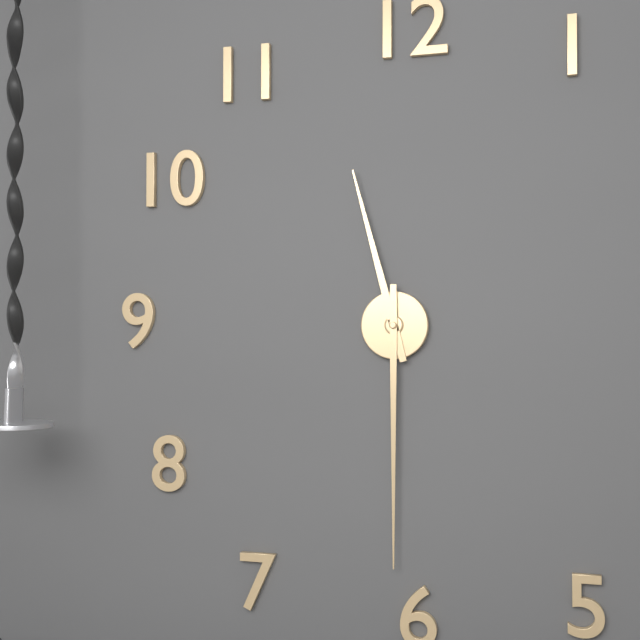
11:30
